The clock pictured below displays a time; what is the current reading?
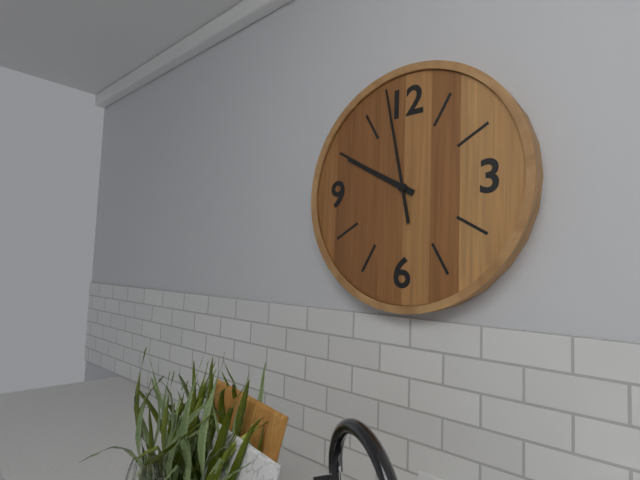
9:58
